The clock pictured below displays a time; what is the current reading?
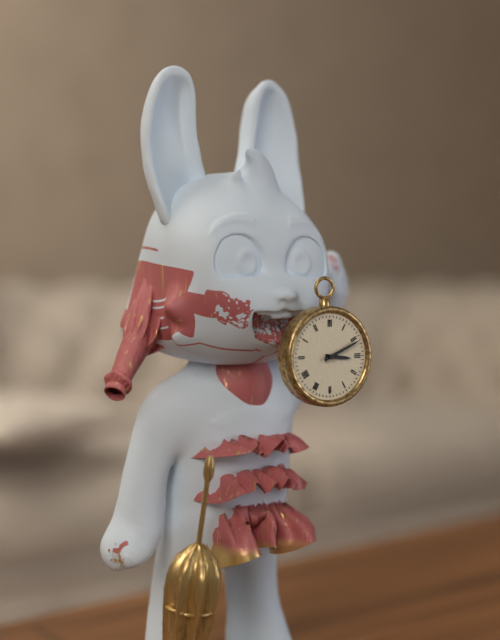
3:11
